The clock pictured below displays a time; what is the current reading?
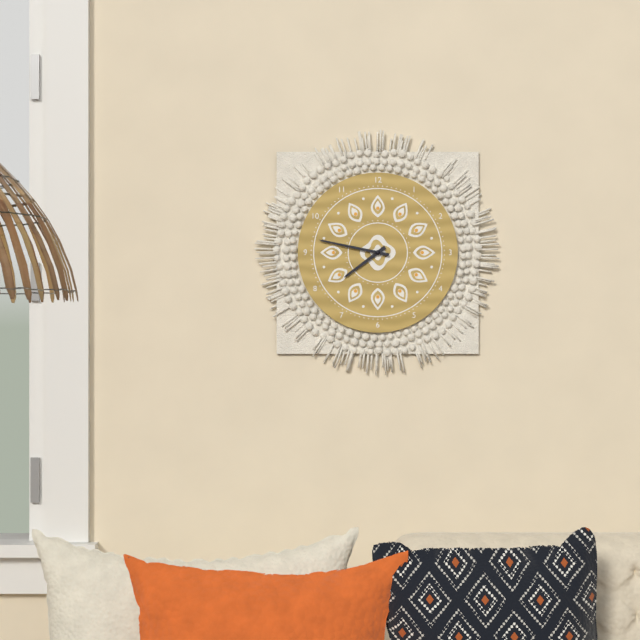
7:47
